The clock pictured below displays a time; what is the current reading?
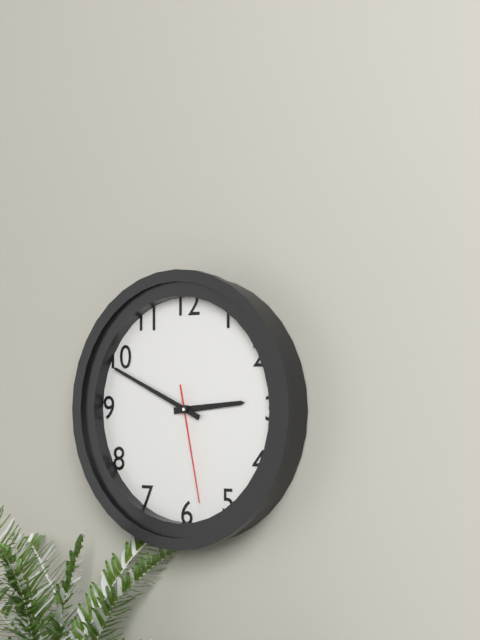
2:49:28
